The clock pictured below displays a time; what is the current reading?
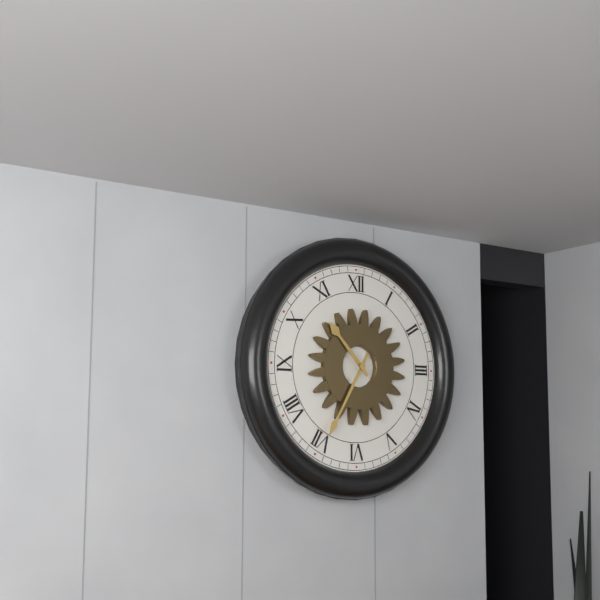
10:35
